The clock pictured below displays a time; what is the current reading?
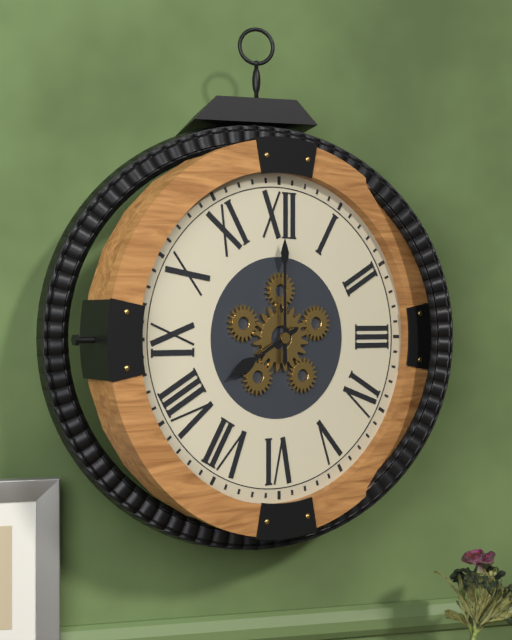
8:00
